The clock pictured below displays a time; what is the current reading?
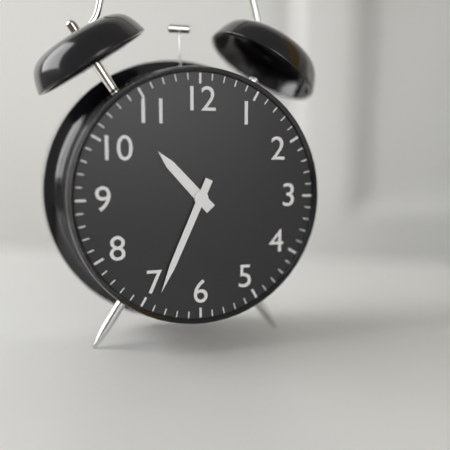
10:34
